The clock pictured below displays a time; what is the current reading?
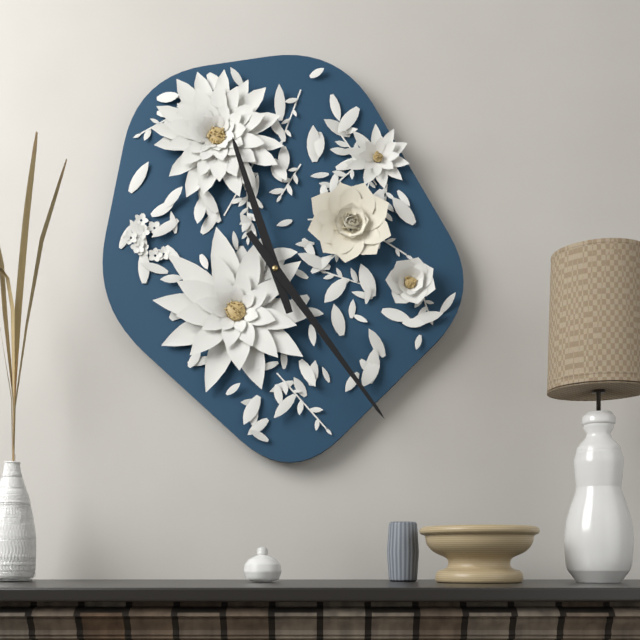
11:24
